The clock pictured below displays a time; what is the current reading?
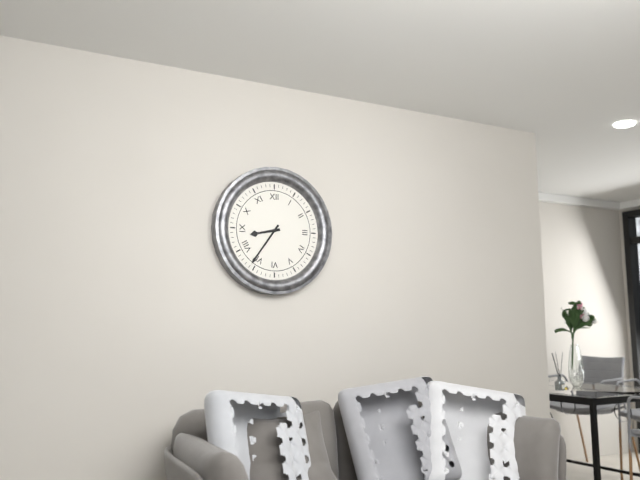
8:36
